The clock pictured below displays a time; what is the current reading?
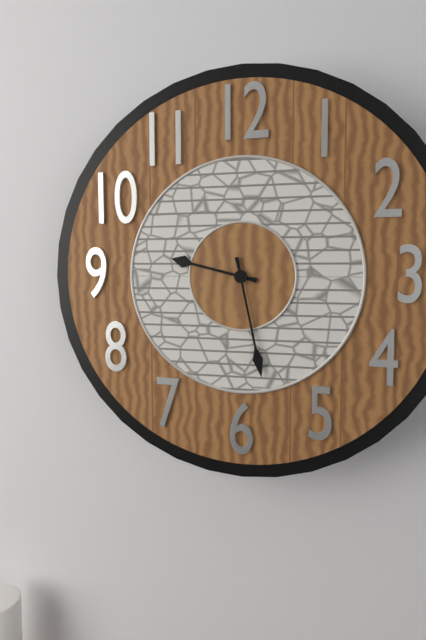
9:28
